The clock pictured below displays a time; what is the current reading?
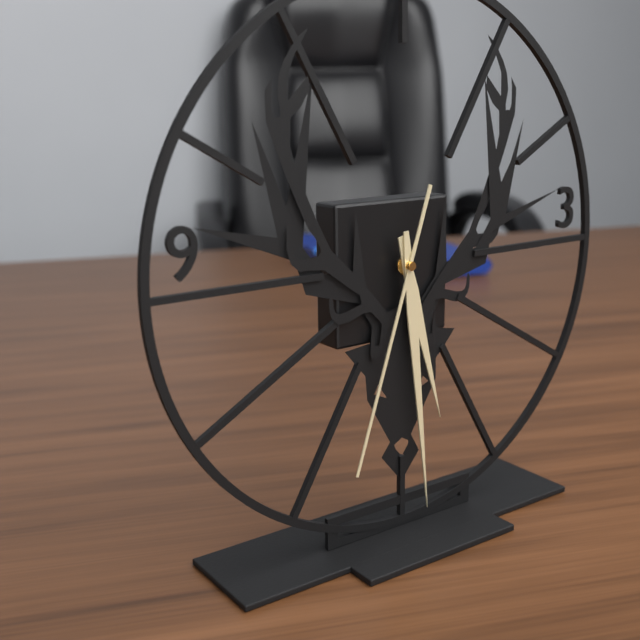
5:29:33
